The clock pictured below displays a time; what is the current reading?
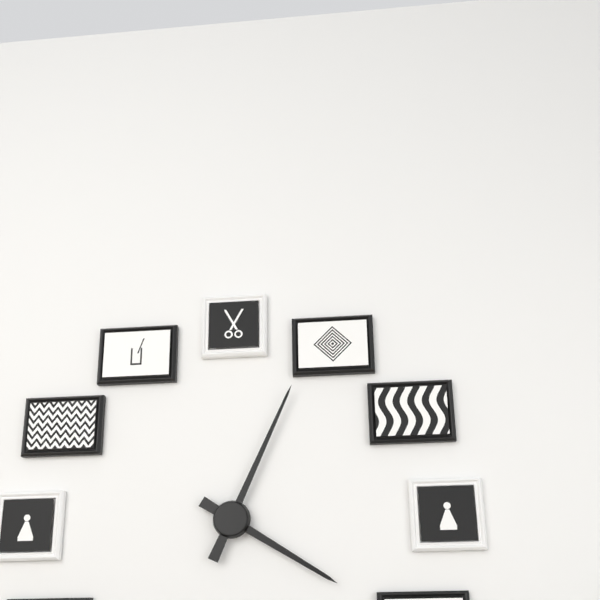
4:04
